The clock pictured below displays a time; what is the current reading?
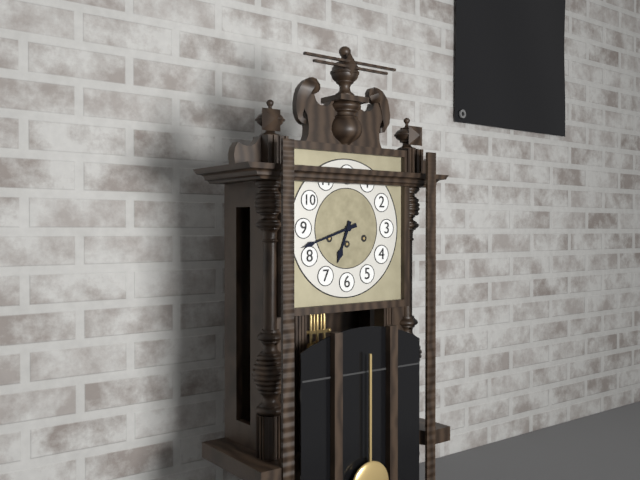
6:42
